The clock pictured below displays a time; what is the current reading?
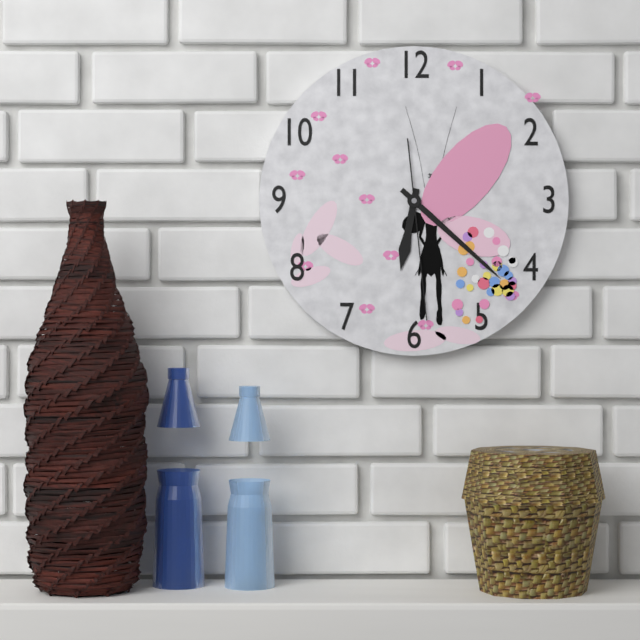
6:22:29
